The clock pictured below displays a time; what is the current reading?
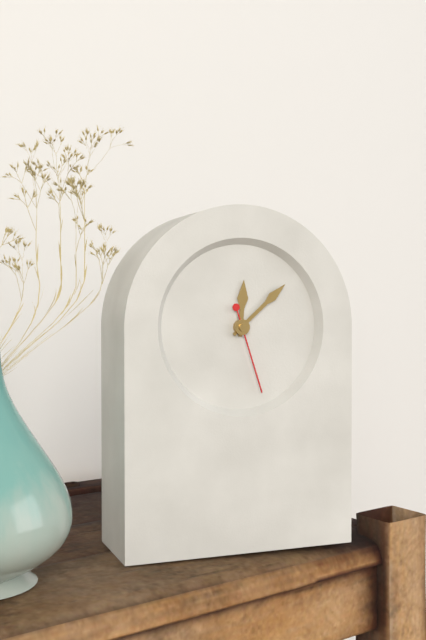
12:08:27
